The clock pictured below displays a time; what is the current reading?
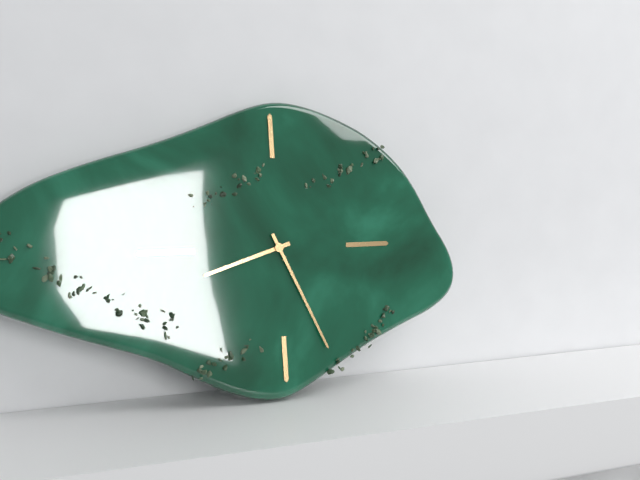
8:26
